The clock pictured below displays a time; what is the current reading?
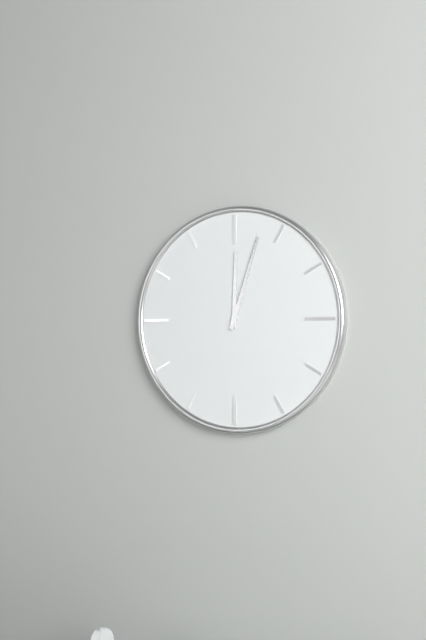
12:03
